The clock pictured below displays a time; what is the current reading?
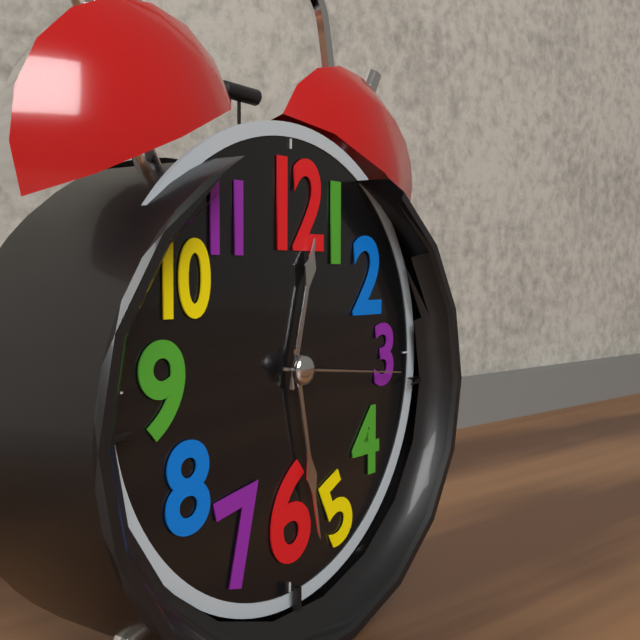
12:28:16
